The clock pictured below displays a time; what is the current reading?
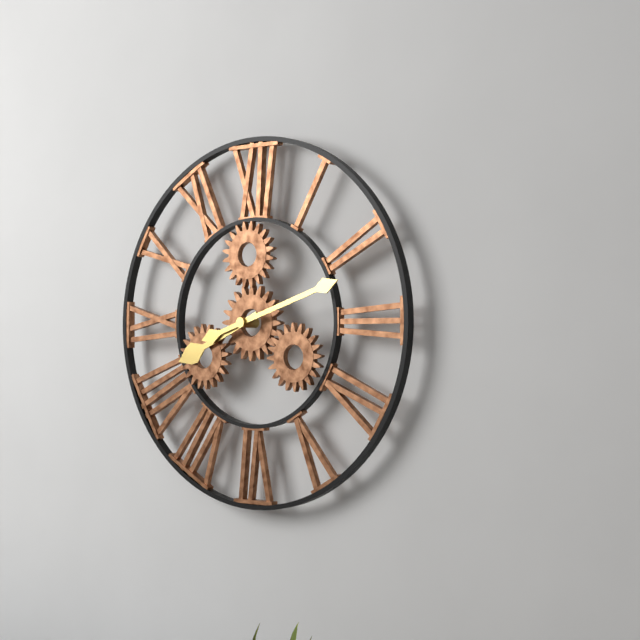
8:12
